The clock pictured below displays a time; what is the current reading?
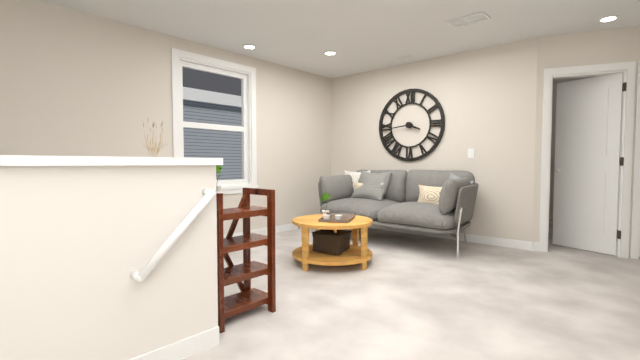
3:44
